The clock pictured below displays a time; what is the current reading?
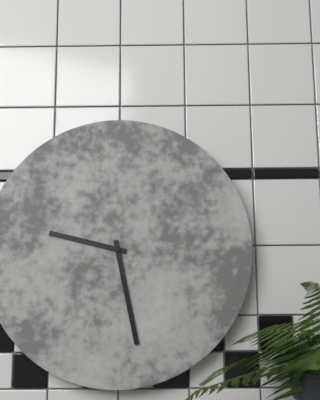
9:28
